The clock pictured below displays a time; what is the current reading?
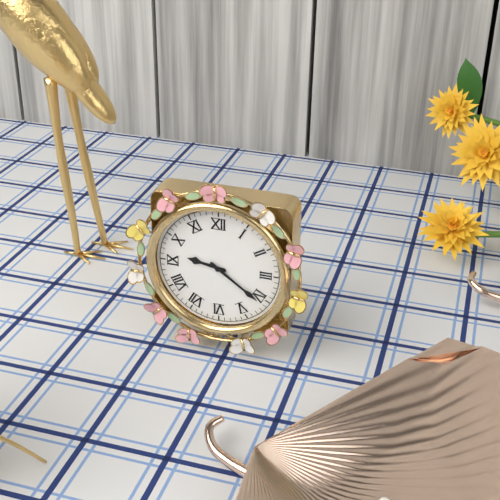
9:21
